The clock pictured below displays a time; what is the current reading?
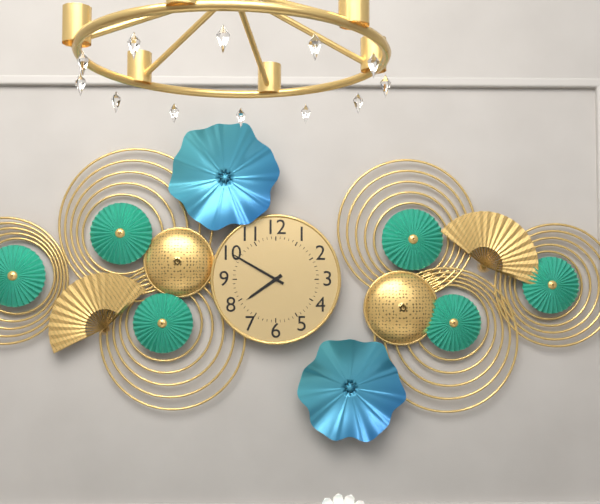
7:50
